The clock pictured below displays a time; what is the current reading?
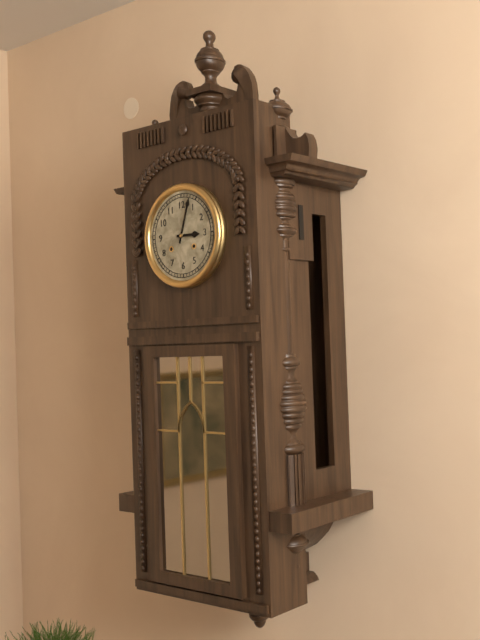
3:03
